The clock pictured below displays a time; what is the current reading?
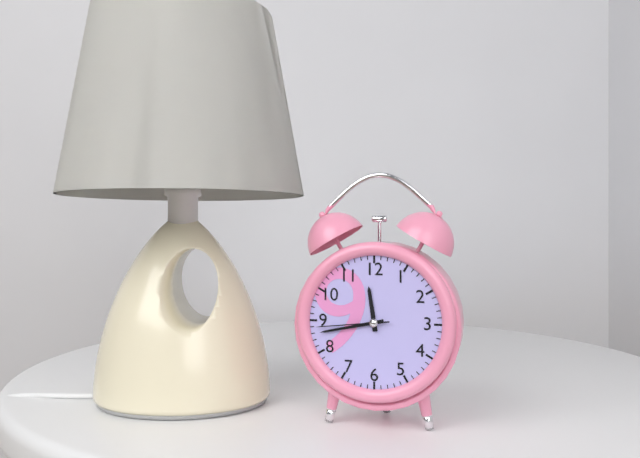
11:43:44
